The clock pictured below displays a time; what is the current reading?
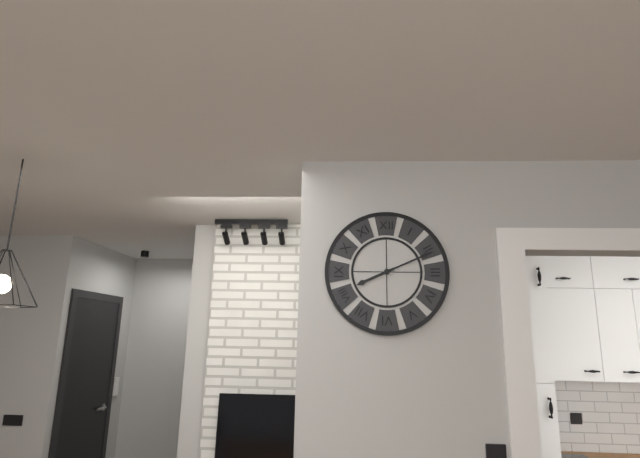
8:11
